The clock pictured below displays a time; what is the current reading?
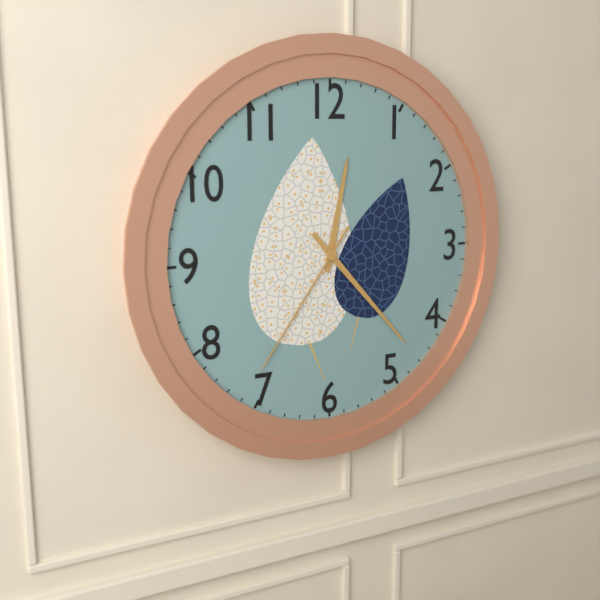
12:23:36
